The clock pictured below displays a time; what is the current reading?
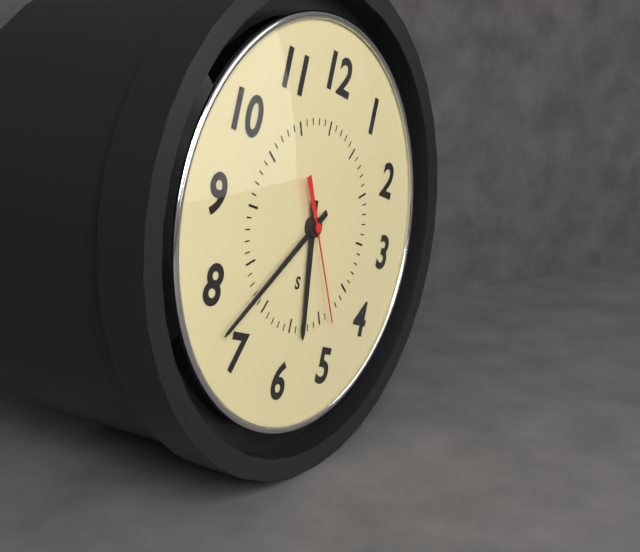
5:37:24
